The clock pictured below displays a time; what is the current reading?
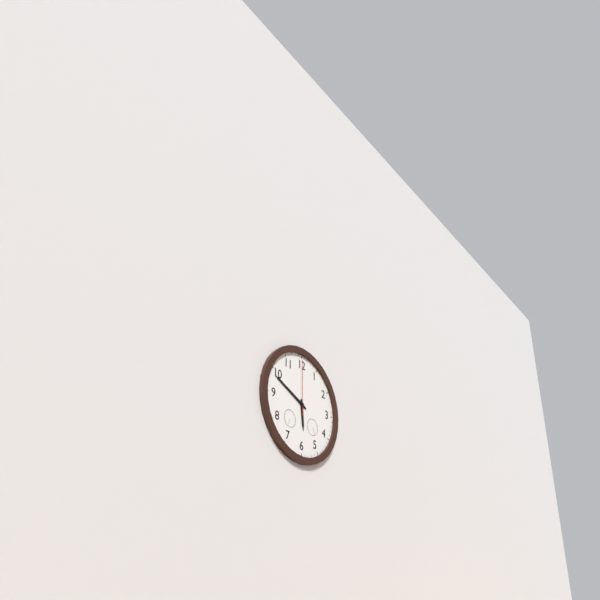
5:49:00
